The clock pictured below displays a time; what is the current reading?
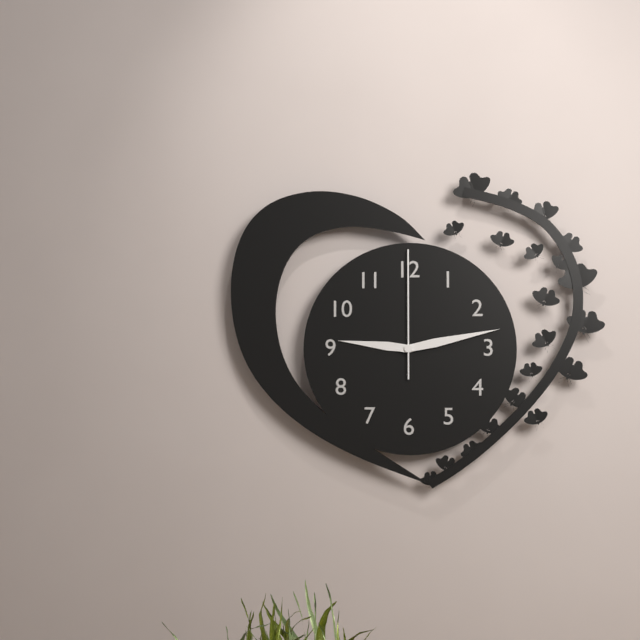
9:13:00
